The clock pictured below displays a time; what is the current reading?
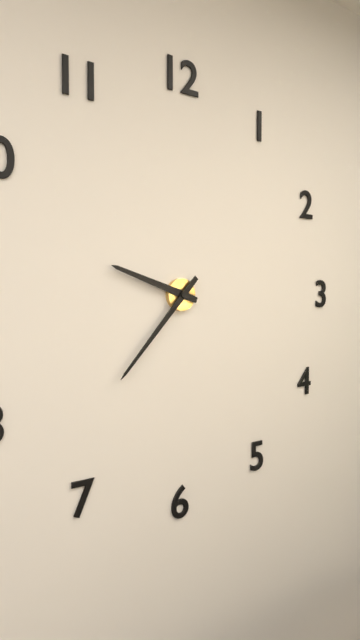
9:37
